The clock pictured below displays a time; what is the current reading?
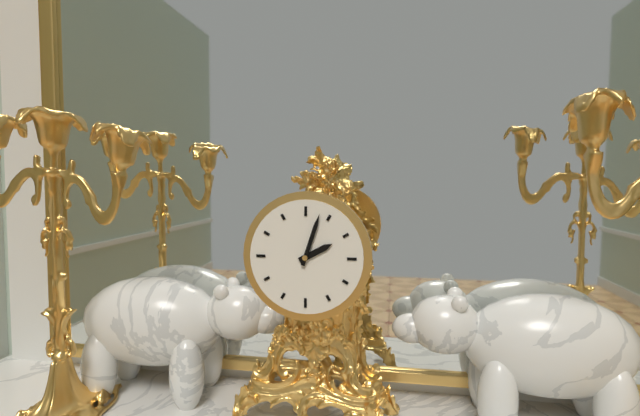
2:03
